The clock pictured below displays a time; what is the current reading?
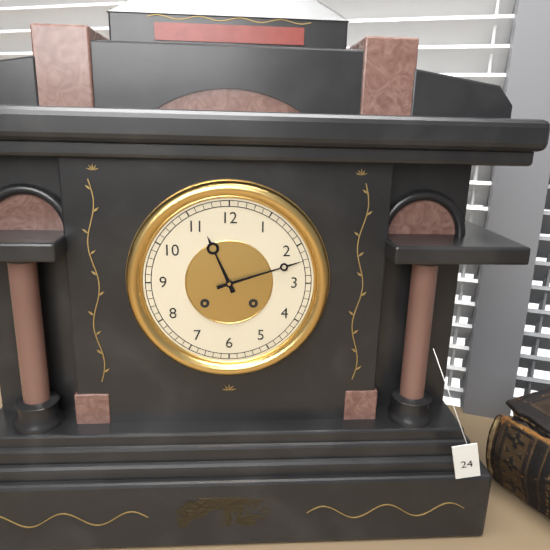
11:12
